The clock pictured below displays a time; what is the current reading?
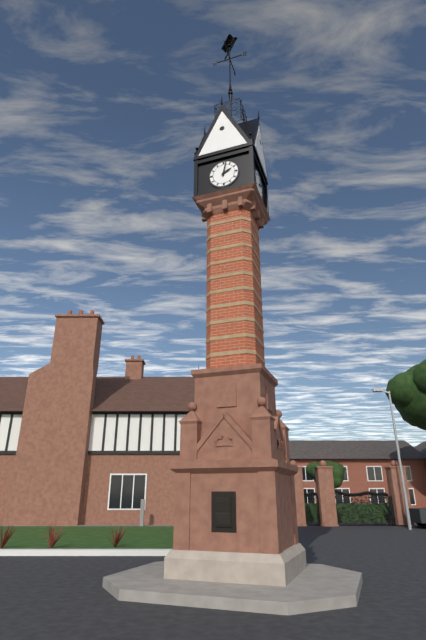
2:02
